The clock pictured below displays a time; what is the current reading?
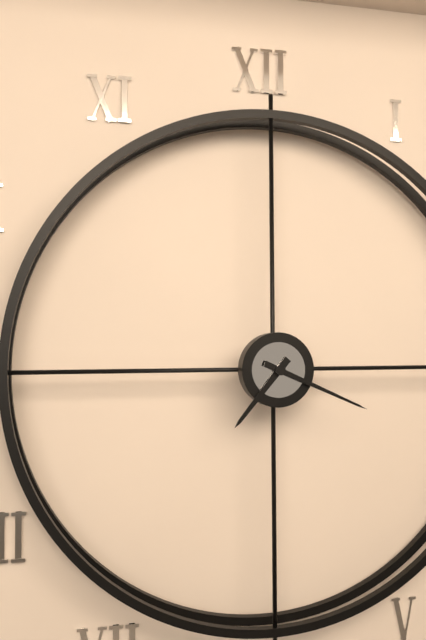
7:19
